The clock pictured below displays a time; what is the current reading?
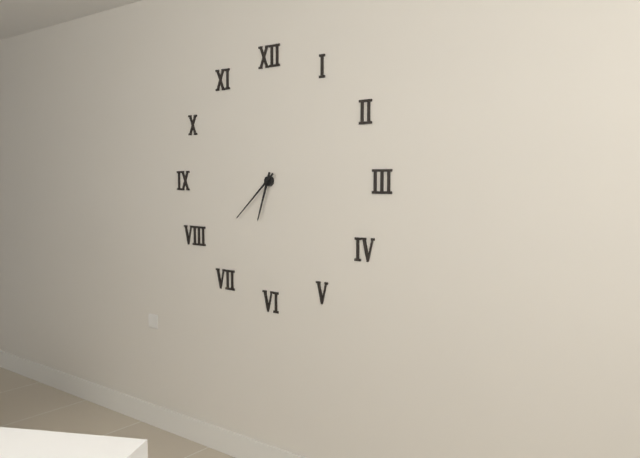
6:38
